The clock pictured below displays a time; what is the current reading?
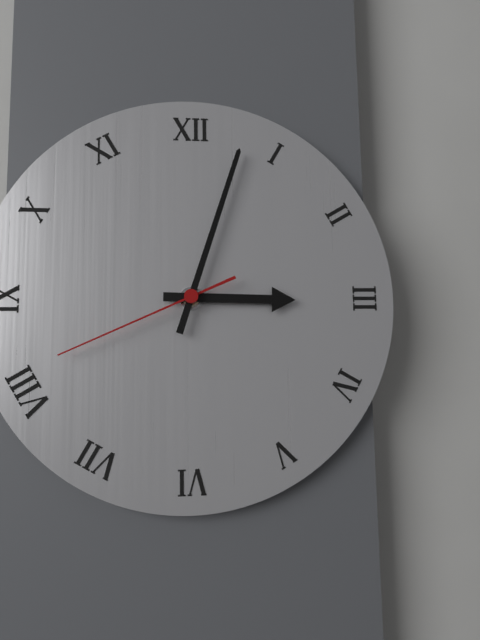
3:03:41
